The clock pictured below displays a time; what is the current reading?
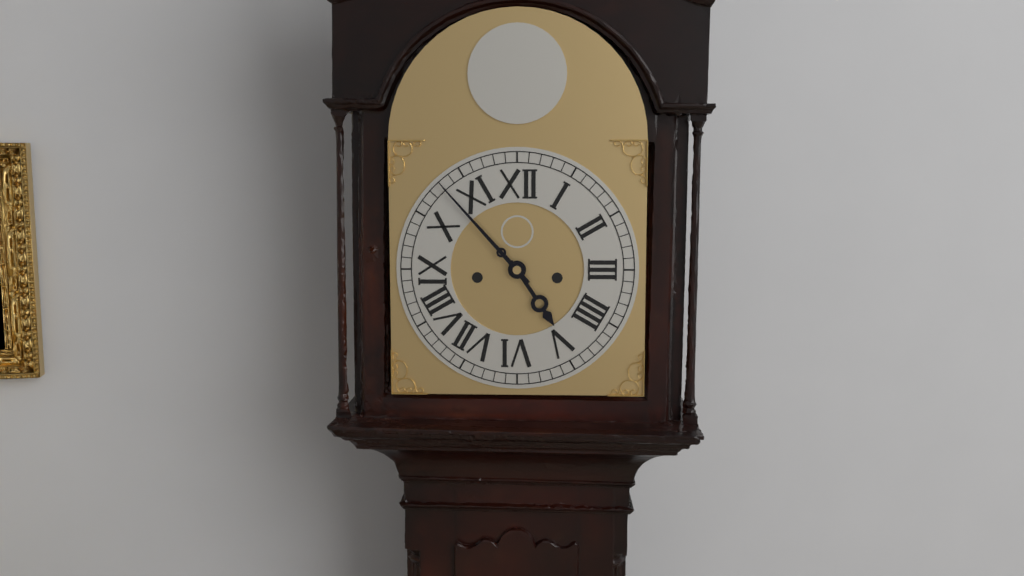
4:53
